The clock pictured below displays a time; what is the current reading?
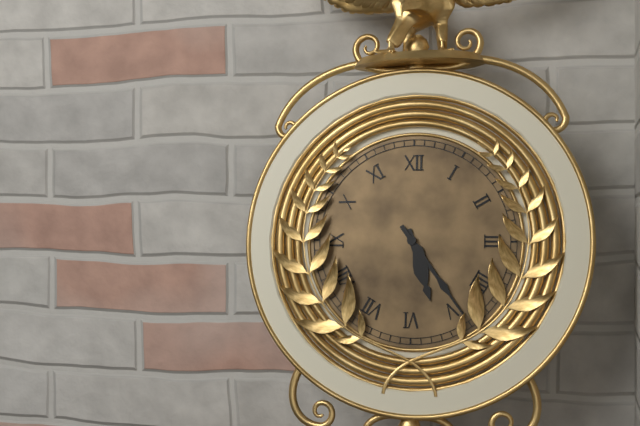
5:24
